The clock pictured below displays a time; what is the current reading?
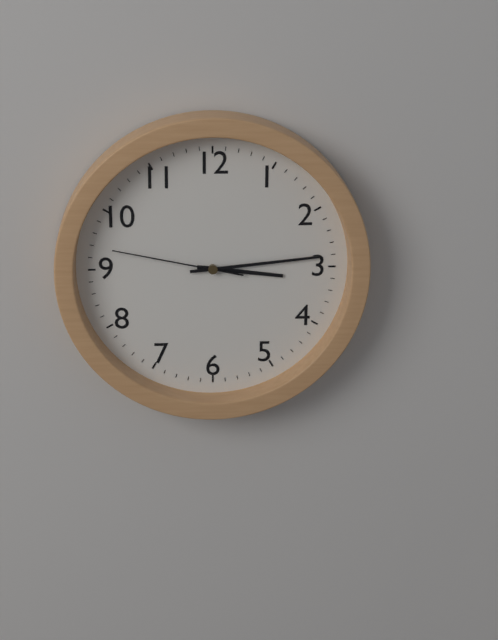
3:14:47
